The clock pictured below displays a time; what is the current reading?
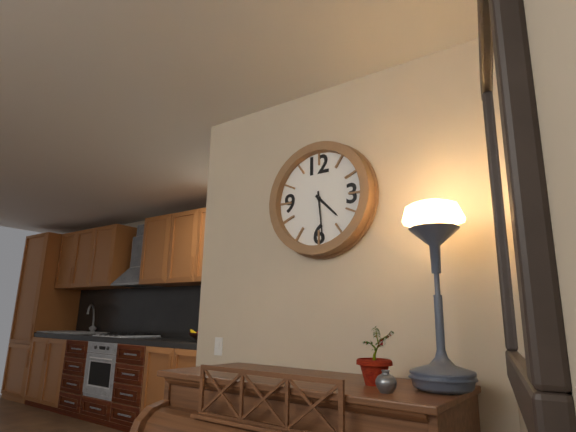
4:29
